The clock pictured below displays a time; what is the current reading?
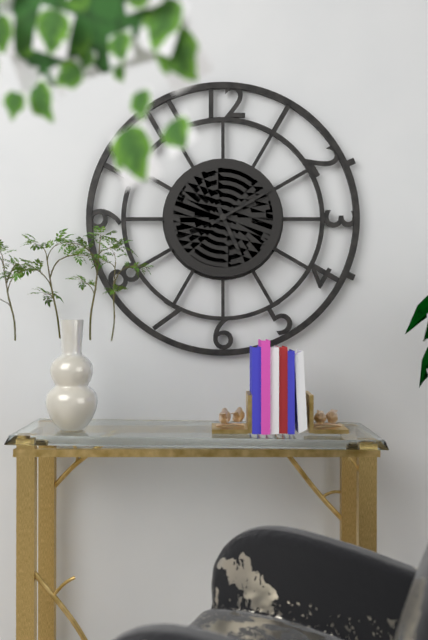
5:10
